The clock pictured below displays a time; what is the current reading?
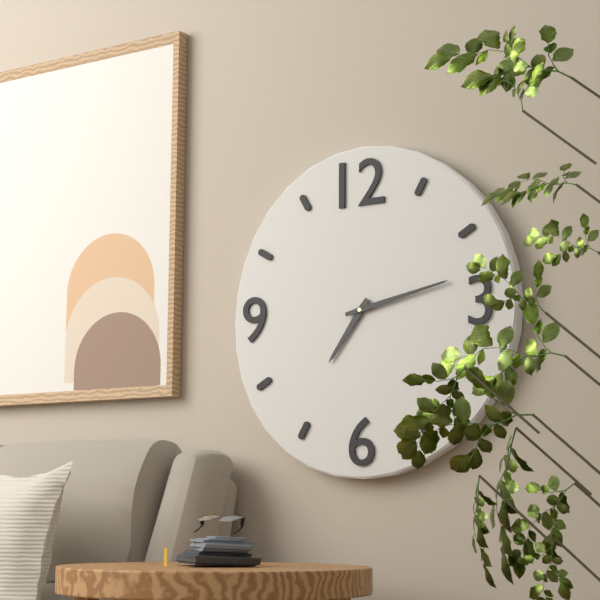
7:13
